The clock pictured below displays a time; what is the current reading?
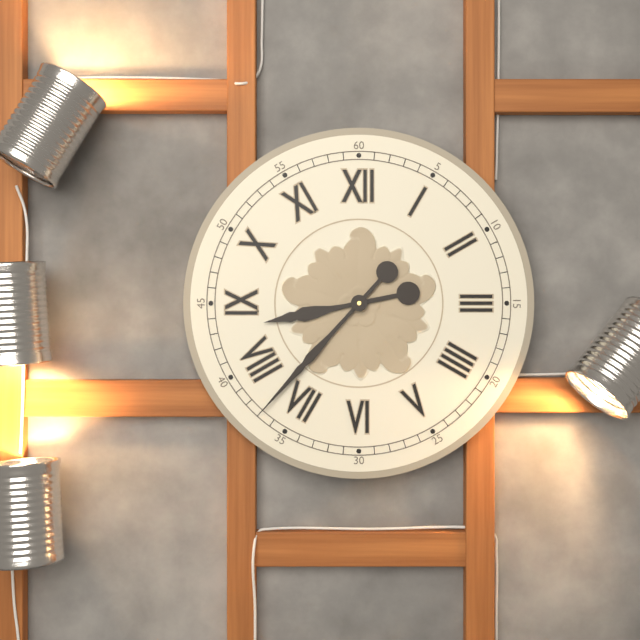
8:37
